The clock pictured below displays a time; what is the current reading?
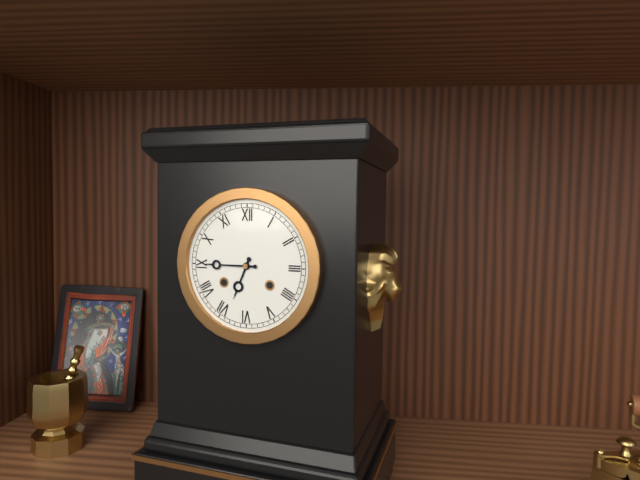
6:45
